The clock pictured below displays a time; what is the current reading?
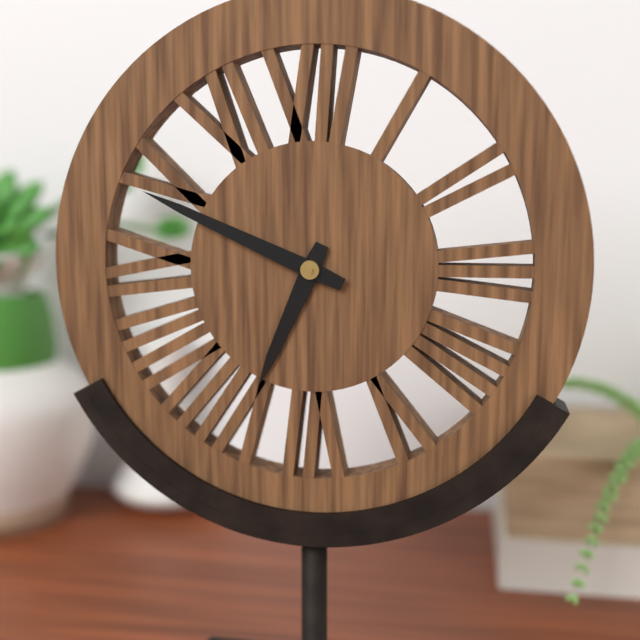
6:49
